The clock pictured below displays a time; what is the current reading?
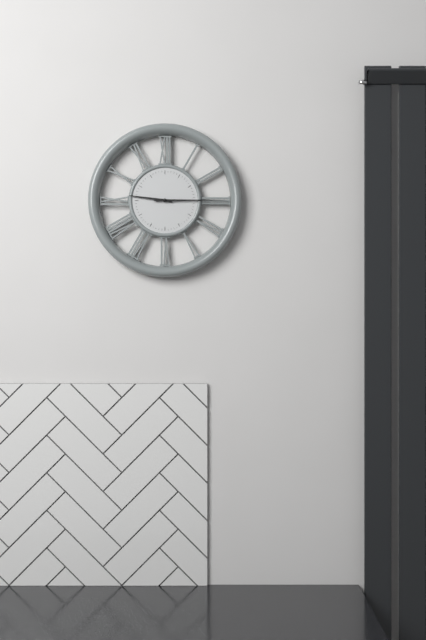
9:15
